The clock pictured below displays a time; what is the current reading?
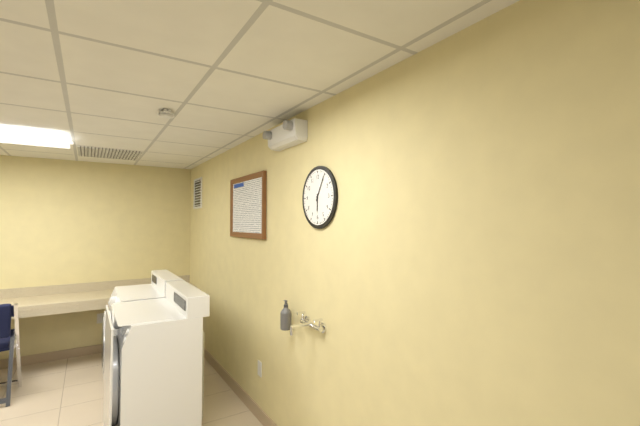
6:05
